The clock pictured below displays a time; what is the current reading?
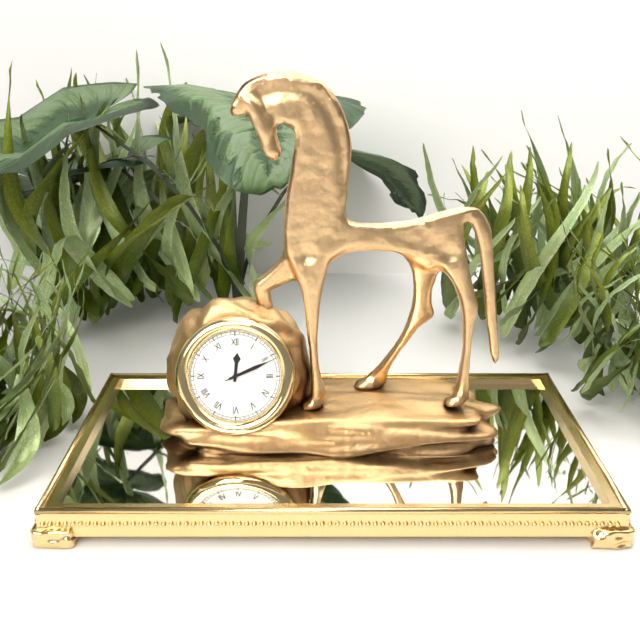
12:11:11
